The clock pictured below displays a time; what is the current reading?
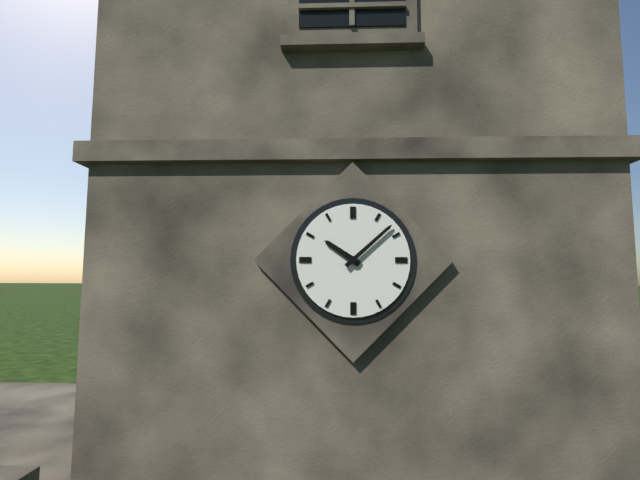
10:08
